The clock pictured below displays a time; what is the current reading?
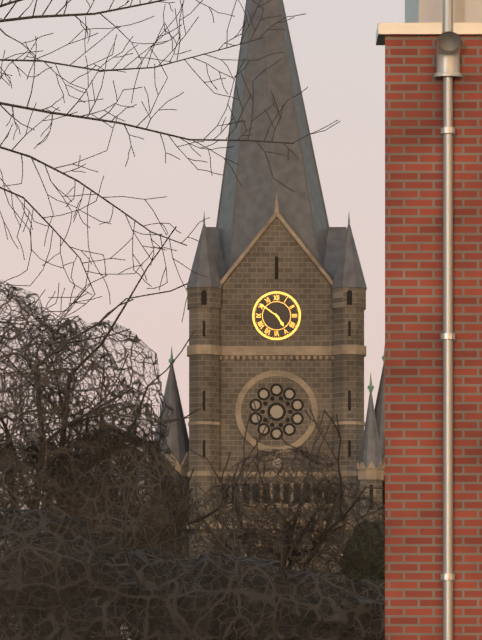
4:51
